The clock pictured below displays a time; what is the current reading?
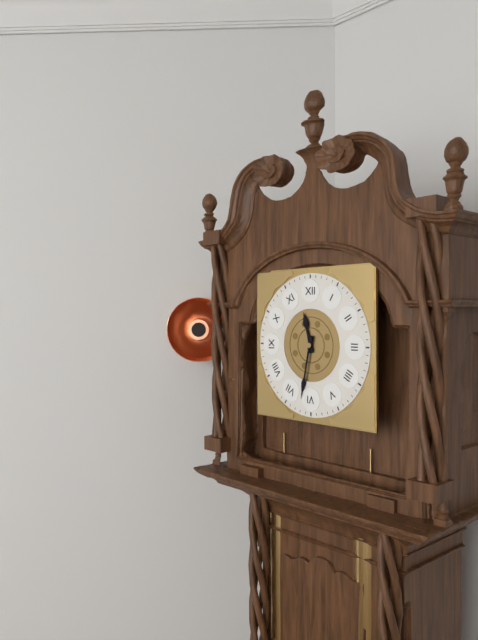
11:32
